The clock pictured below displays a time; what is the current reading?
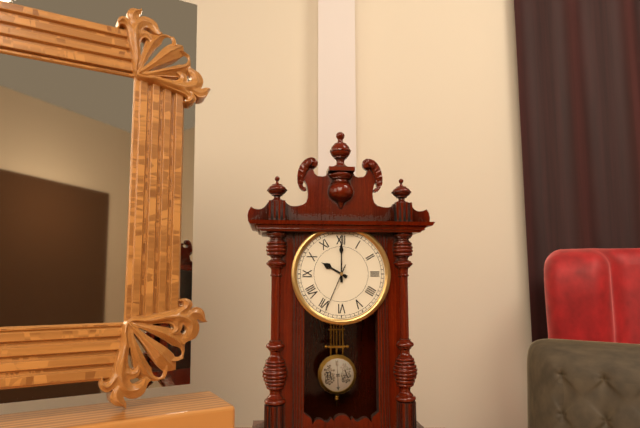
10:00:34
